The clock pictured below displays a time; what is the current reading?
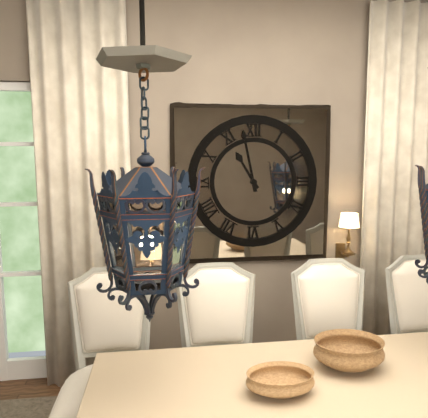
10:58
